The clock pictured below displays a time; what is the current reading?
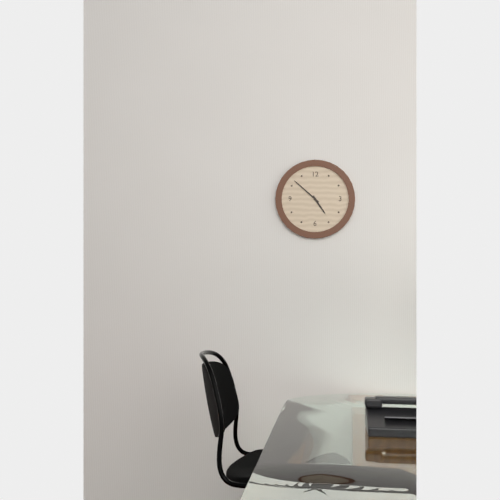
4:52
